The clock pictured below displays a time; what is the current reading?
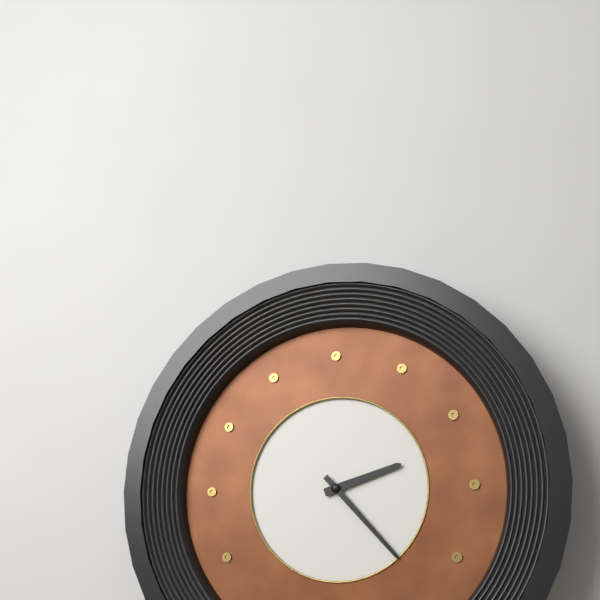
2:23
